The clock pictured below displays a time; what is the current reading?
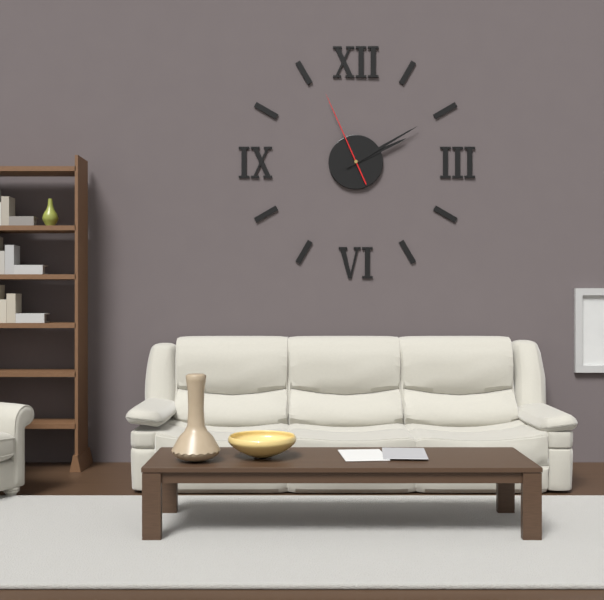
2:10:56
